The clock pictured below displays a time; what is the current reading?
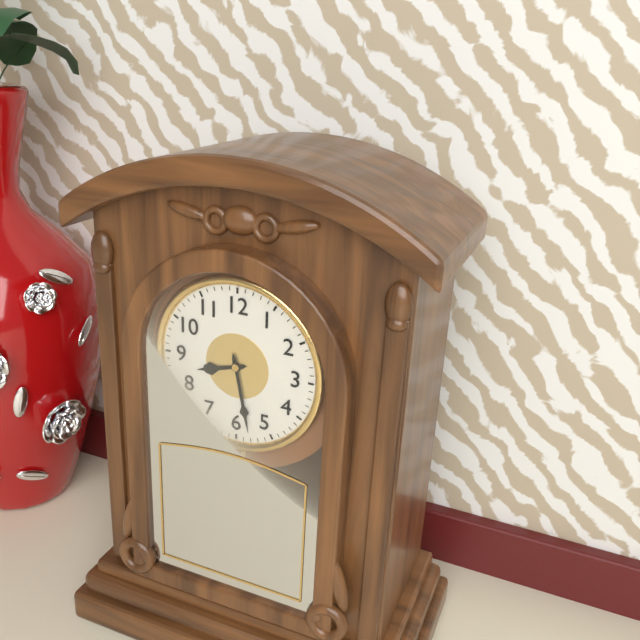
8:28
